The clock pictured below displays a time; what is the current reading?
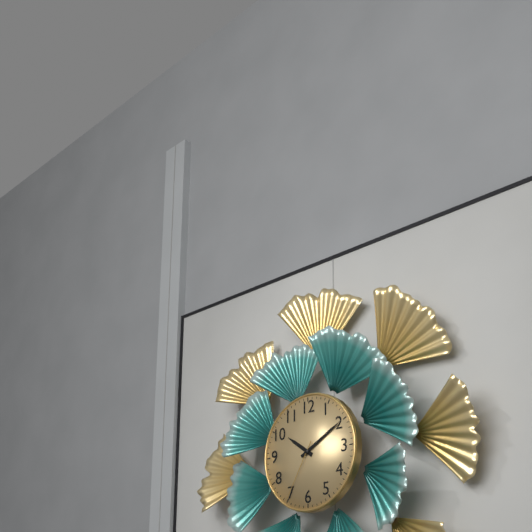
10:10:35
